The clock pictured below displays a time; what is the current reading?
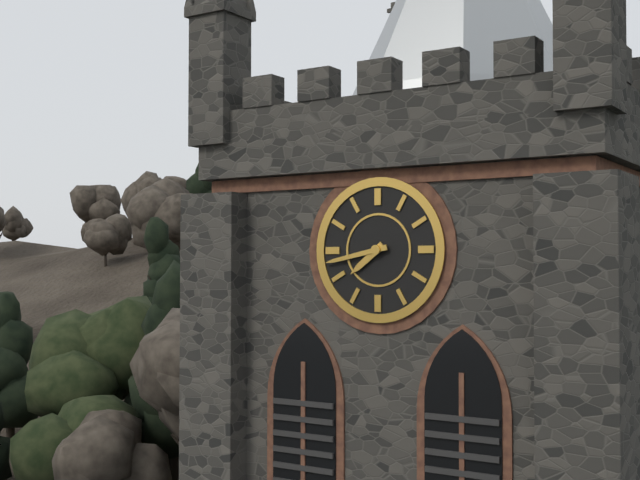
7:43
